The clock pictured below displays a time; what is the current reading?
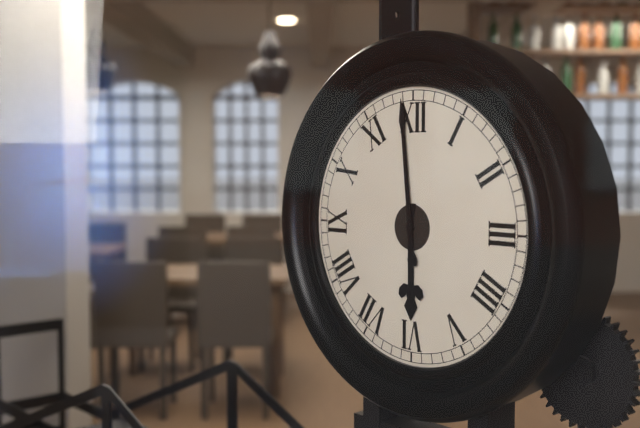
5:59
